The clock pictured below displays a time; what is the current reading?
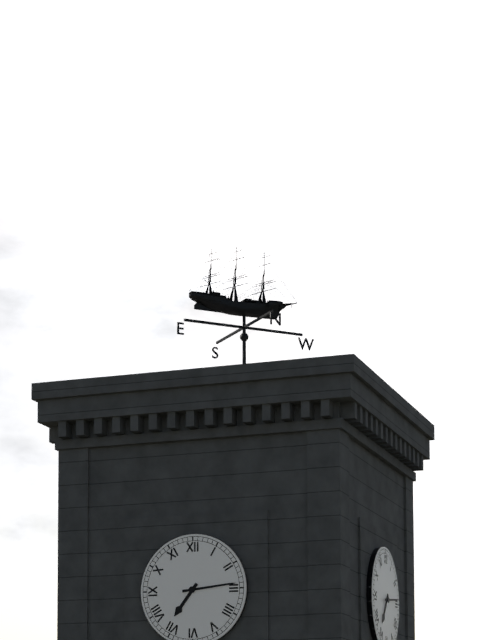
7:14
